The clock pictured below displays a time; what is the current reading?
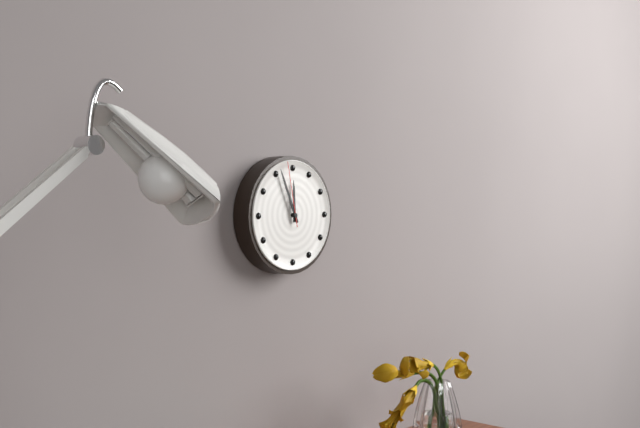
11:56:58
